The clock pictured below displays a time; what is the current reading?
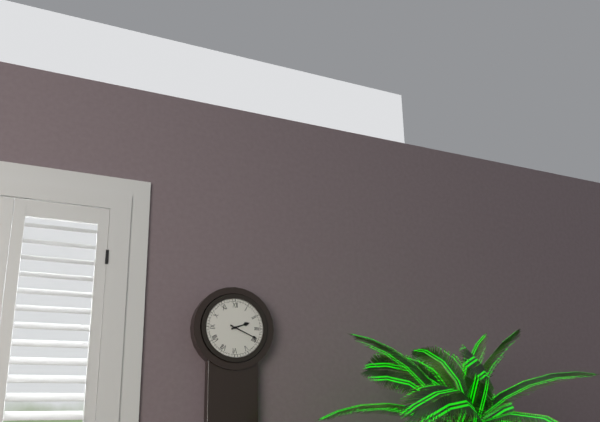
2:19
